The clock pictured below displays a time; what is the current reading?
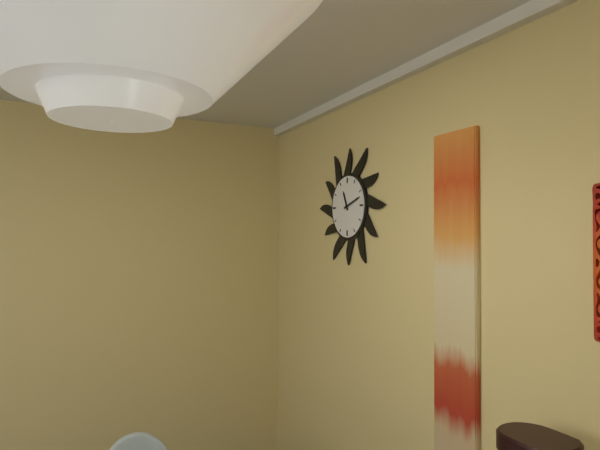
11:12
